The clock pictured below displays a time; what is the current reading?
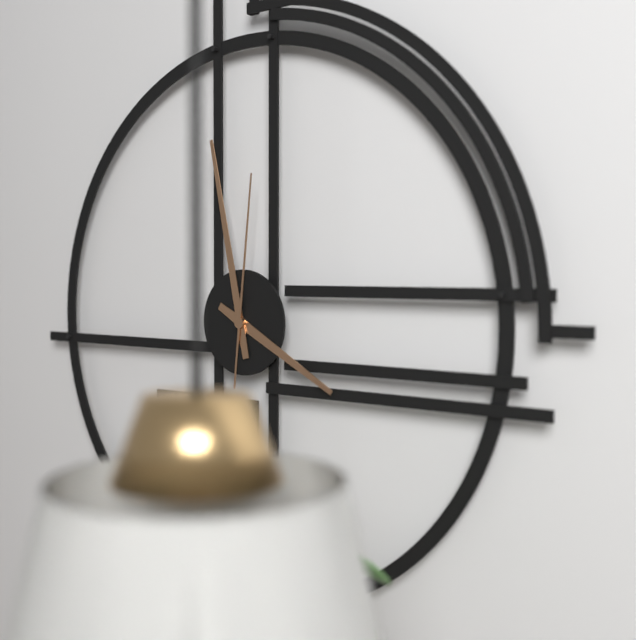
3:58:01
